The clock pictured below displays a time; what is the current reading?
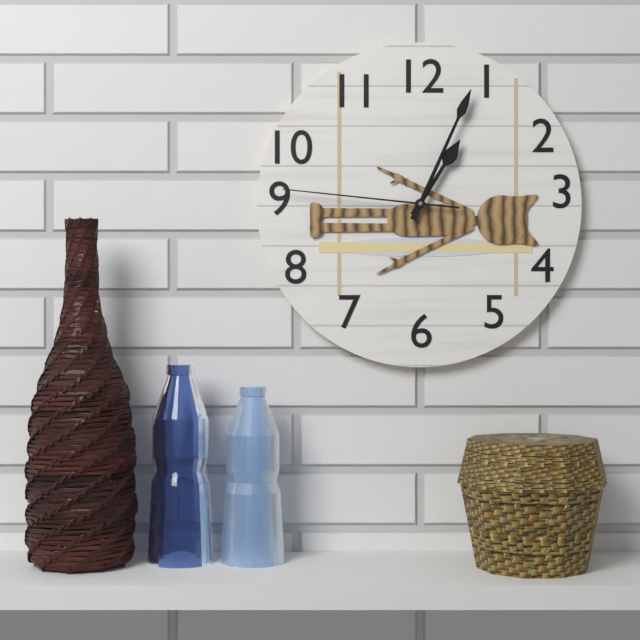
1:04:46
